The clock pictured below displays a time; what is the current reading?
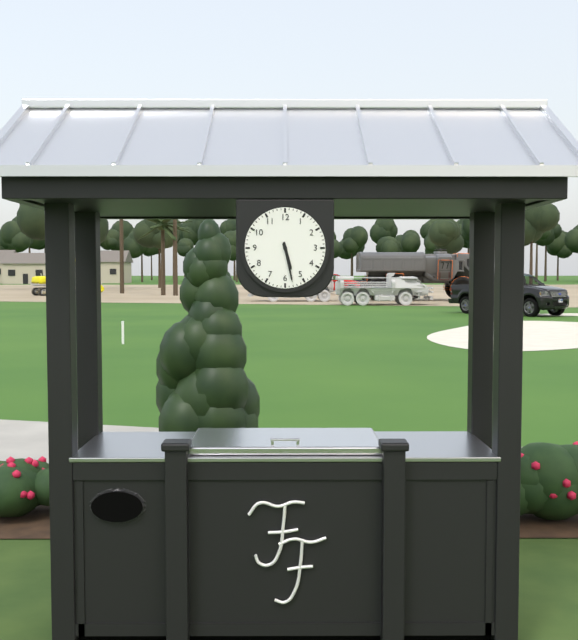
5:28
